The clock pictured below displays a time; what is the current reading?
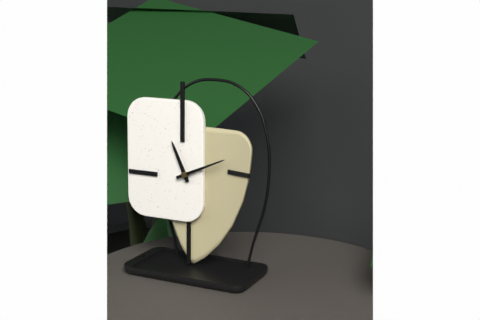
11:11
